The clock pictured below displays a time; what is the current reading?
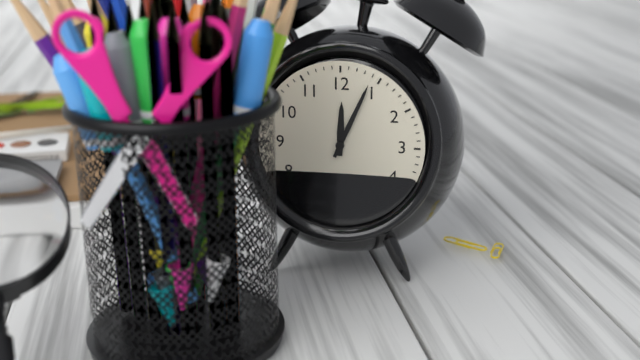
12:04
